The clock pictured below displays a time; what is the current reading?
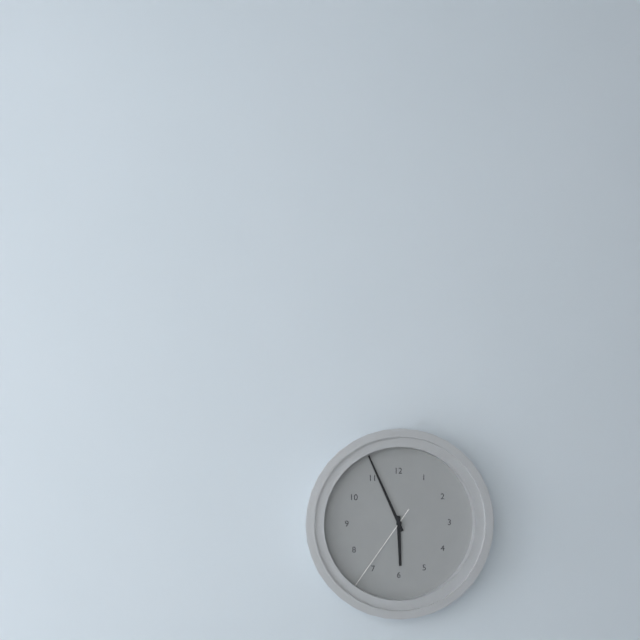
5:56:36
